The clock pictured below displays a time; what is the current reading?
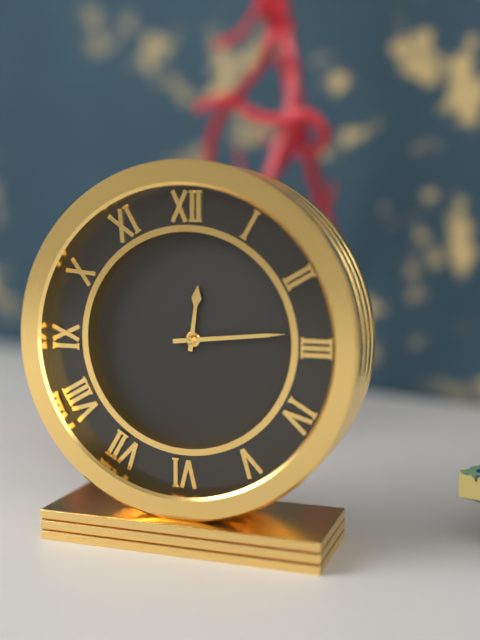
12:14
